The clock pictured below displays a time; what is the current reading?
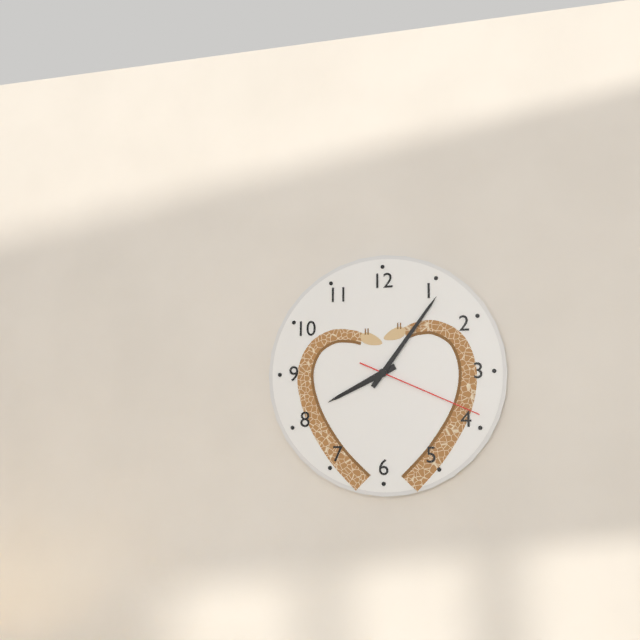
8:06:19
